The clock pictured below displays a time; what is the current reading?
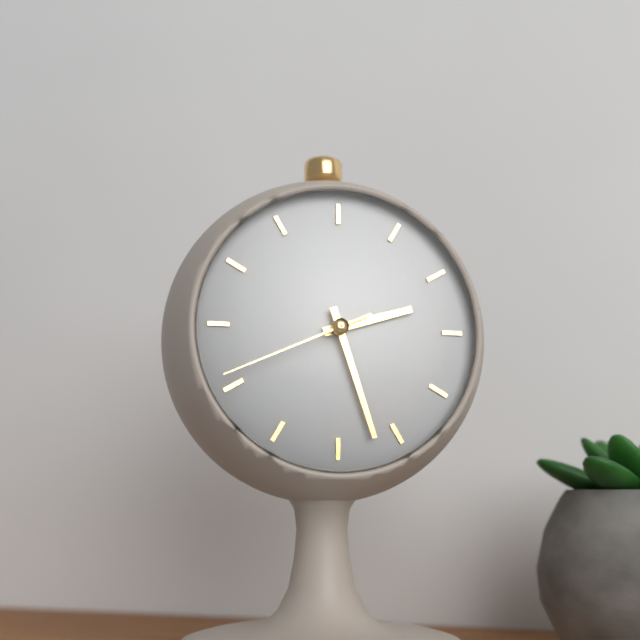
2:27:41
